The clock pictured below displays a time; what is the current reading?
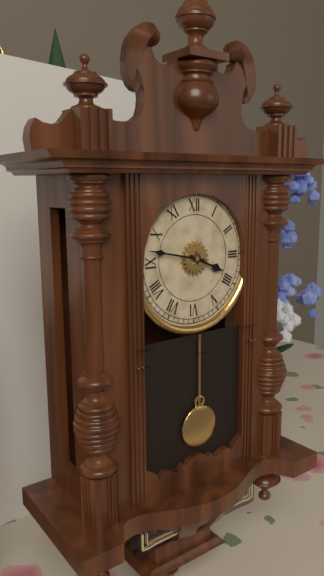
3:47
